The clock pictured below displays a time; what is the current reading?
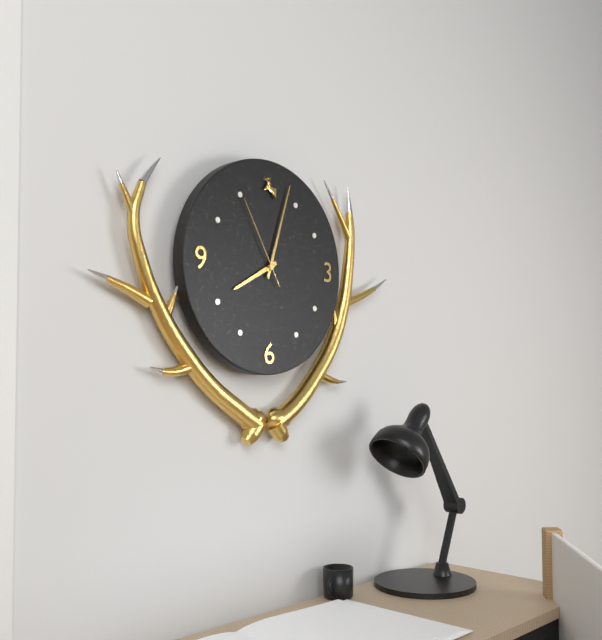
8:03:55
